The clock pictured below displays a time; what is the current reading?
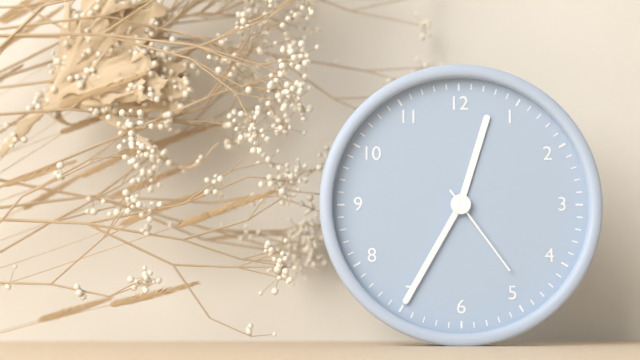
12:35:24
